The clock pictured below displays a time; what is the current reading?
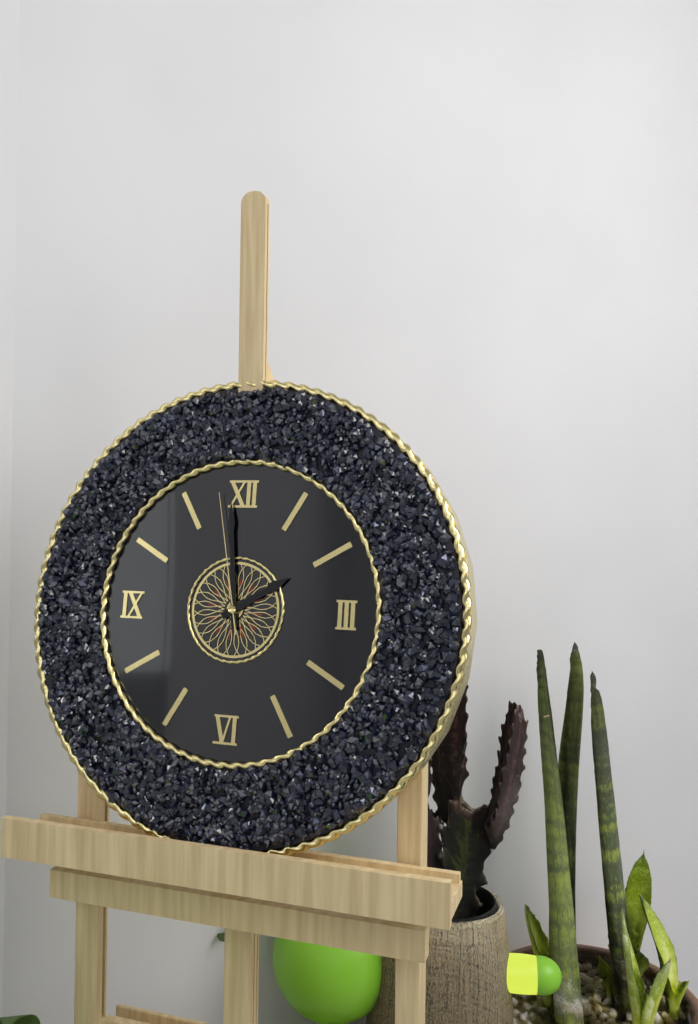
1:59:58
